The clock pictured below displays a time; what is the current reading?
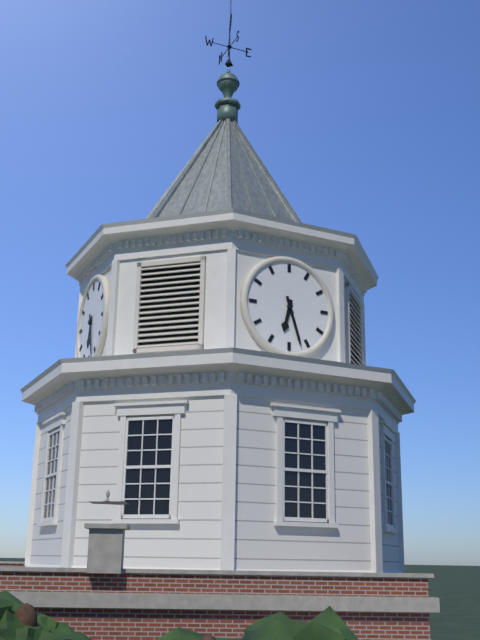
6:27
